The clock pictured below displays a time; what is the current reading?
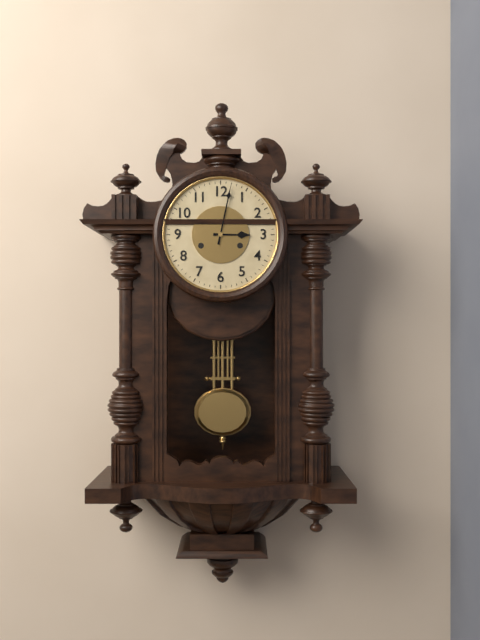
3:02
